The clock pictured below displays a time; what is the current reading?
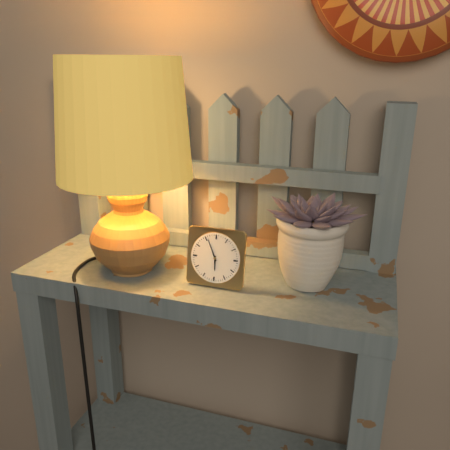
5:56
